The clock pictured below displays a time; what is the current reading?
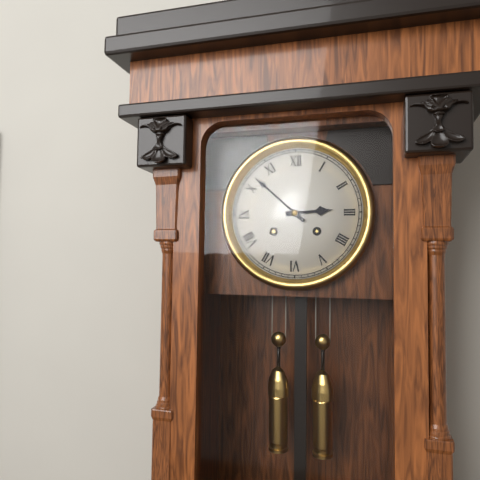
2:52
